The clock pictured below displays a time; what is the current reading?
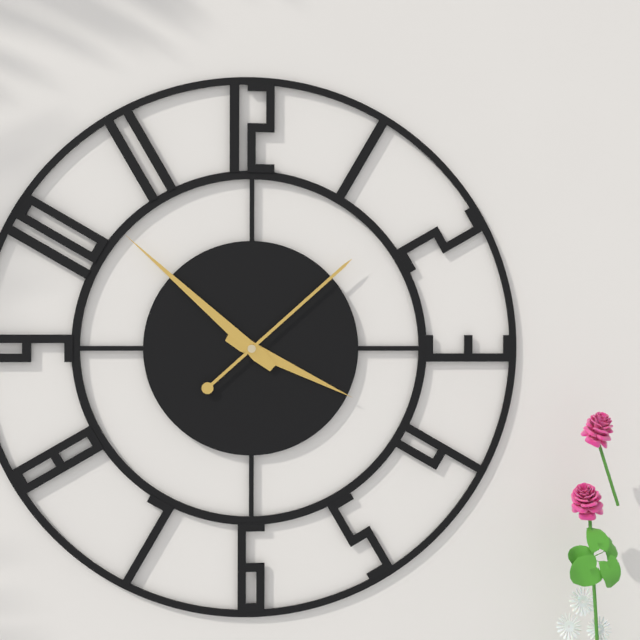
3:52:08
